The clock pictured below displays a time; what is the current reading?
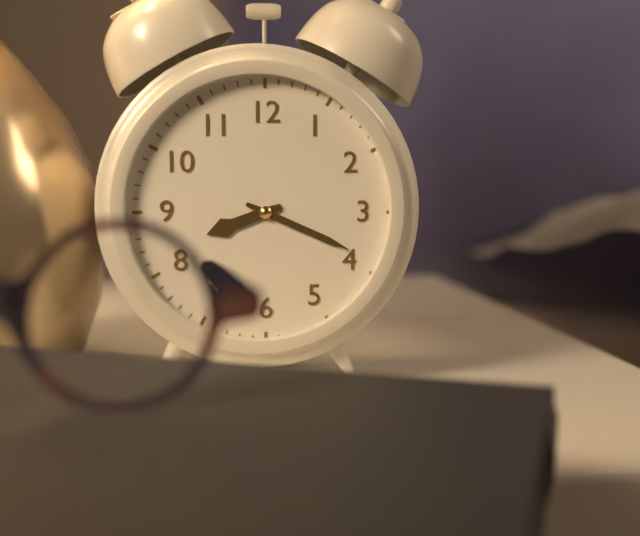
8:19
